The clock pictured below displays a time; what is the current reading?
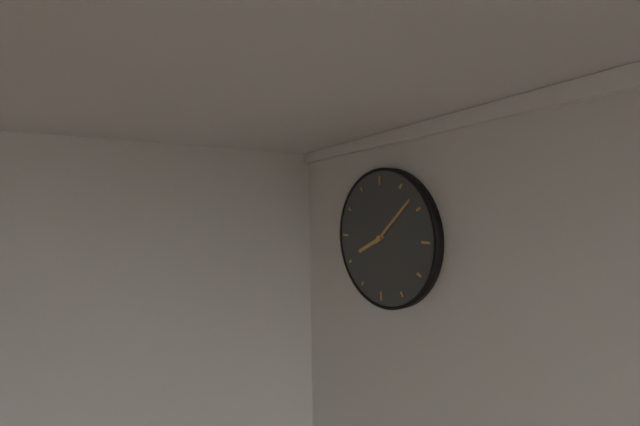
8:08
